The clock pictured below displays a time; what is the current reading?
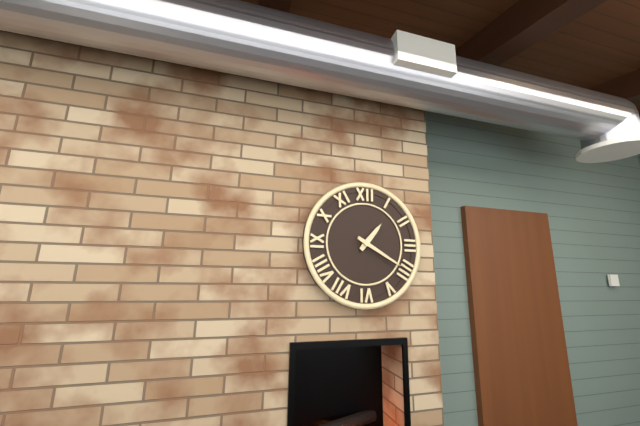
1:20
